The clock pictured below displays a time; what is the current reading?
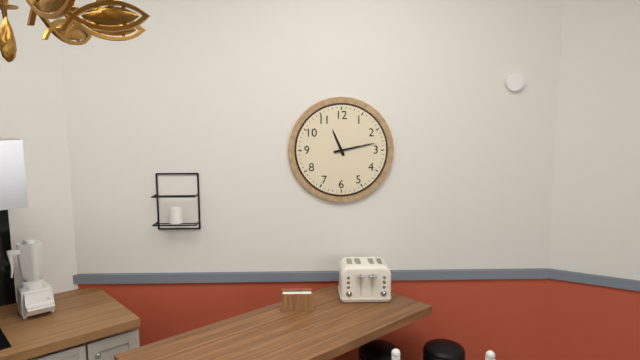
11:13
